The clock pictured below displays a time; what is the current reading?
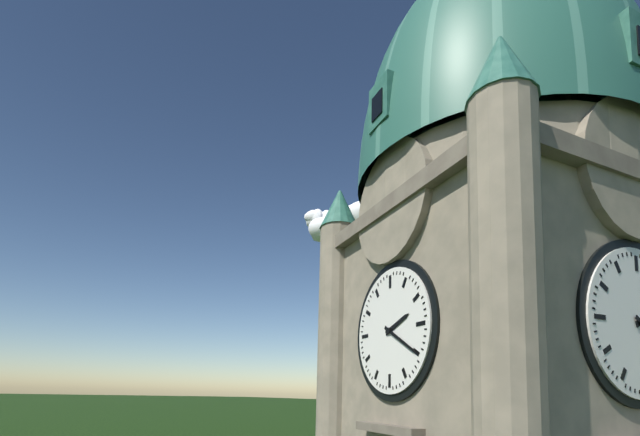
2:20
